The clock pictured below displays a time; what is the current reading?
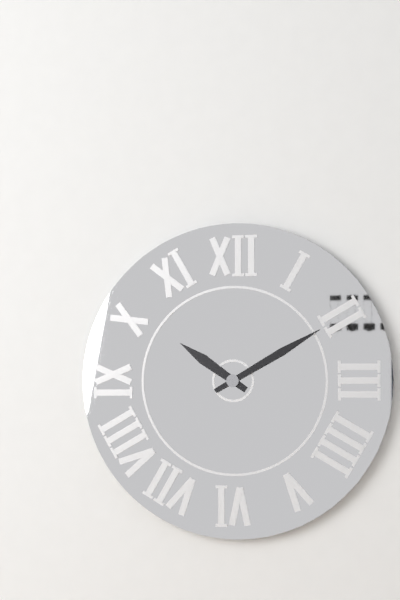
10:10
